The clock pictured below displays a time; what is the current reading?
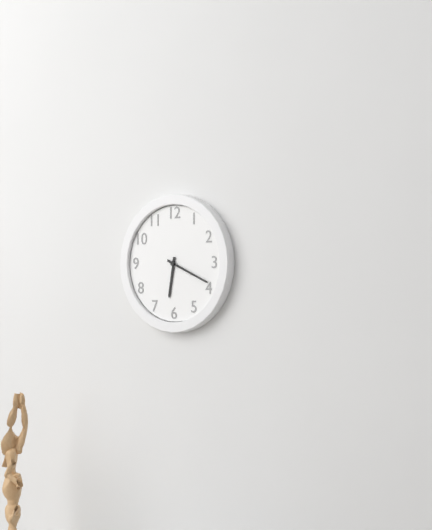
6:19
